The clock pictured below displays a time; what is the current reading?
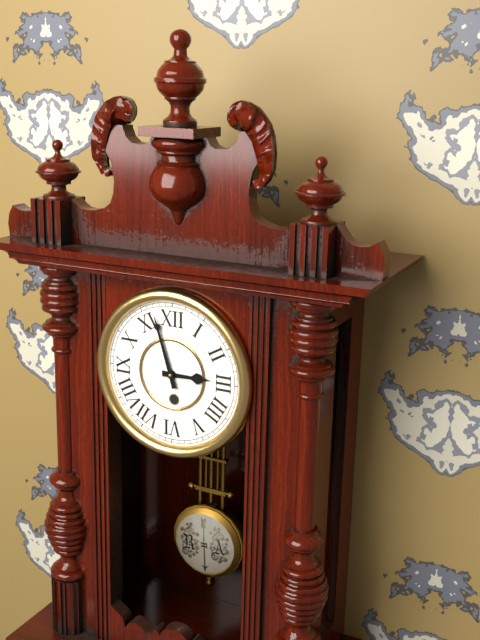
2:57
